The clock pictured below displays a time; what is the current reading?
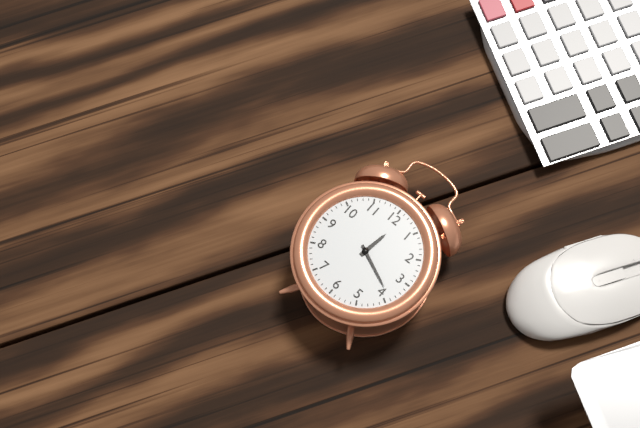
12:19
